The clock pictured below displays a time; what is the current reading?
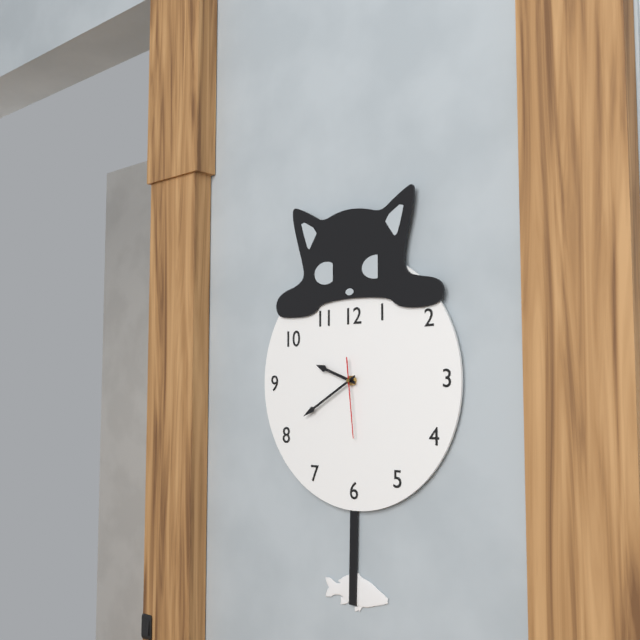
9:40:29
